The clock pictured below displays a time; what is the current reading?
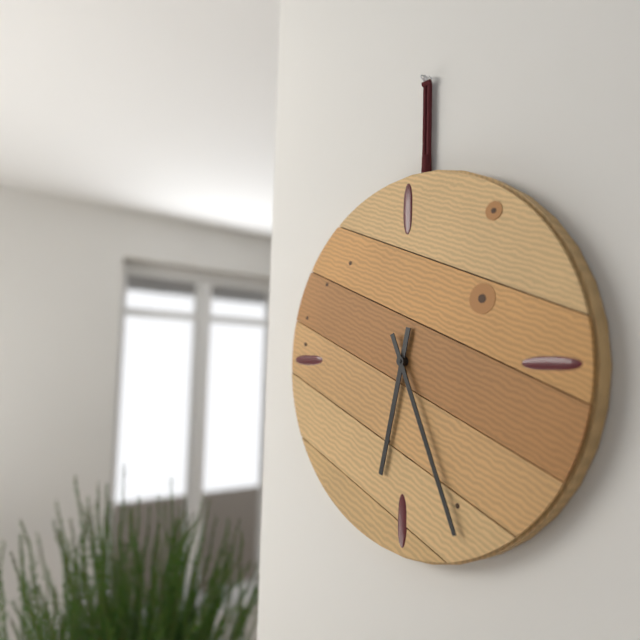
6:26
